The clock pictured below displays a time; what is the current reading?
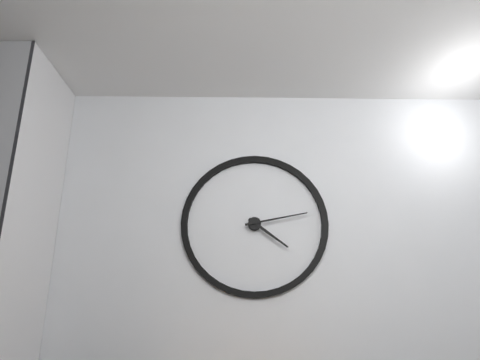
4:13
